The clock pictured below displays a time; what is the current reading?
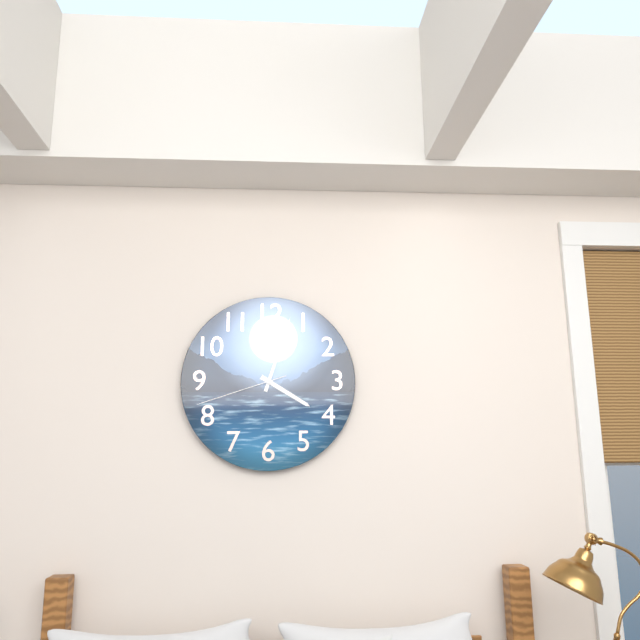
4:03:42
